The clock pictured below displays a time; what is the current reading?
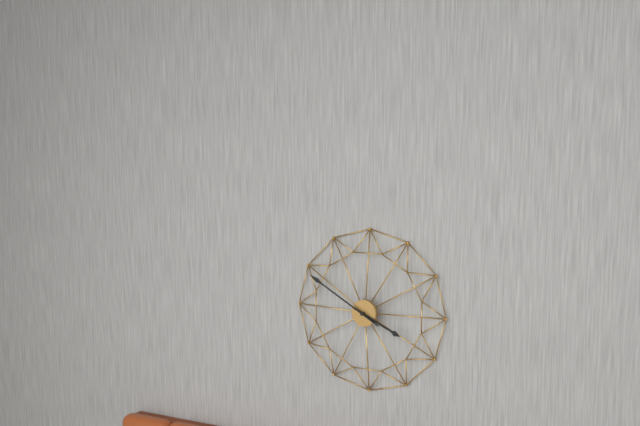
3:50
